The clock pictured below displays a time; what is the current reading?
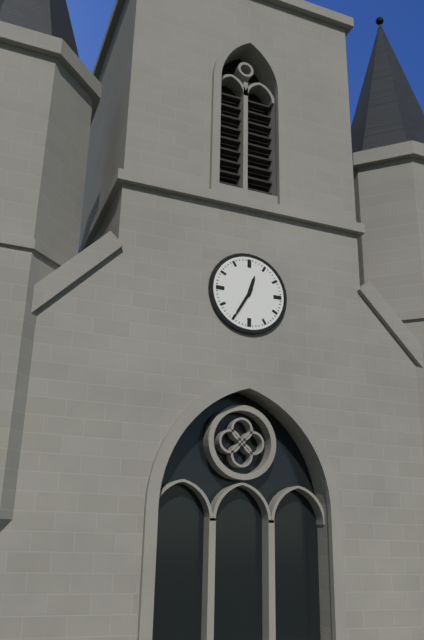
12:35
